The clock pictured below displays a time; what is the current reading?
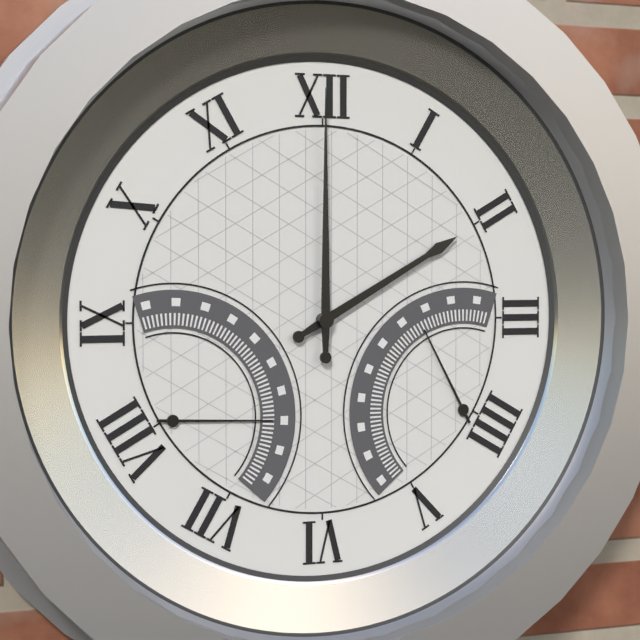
2:00
